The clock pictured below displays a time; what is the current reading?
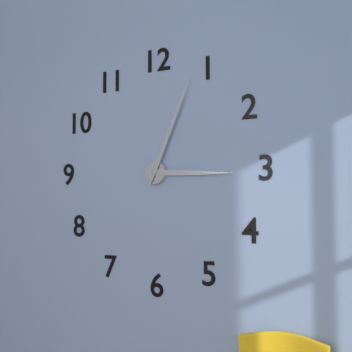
3:04
